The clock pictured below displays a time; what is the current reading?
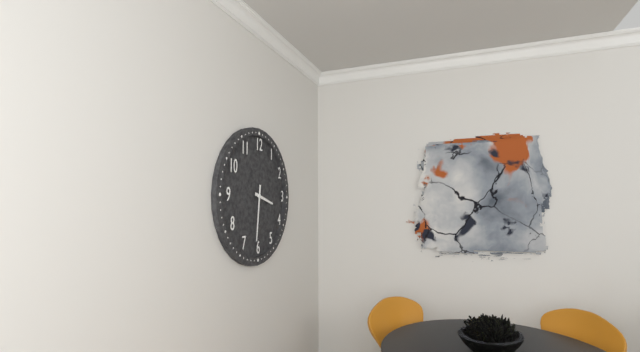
3:31
